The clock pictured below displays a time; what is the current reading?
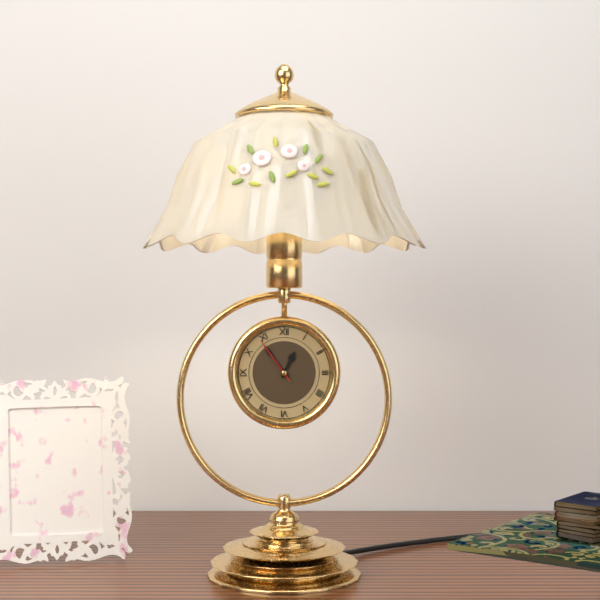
12:54:54
